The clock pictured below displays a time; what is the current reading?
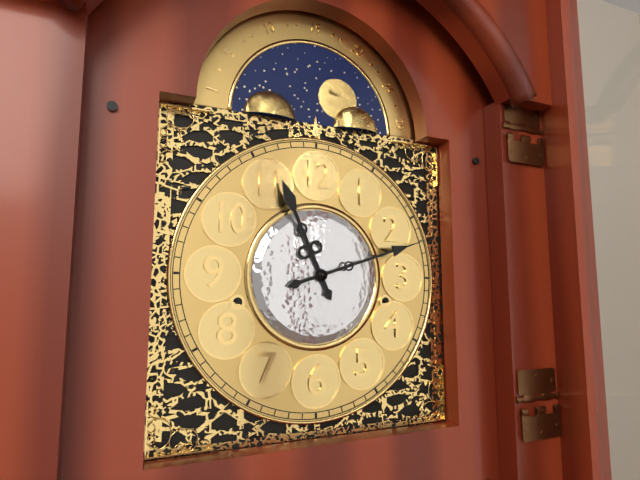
11:12
